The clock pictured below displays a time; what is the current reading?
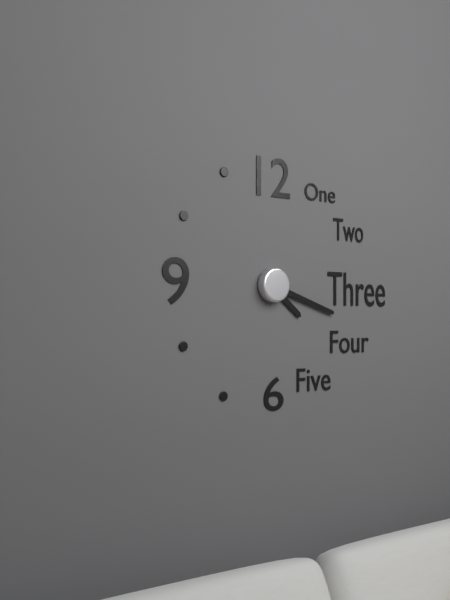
4:18
